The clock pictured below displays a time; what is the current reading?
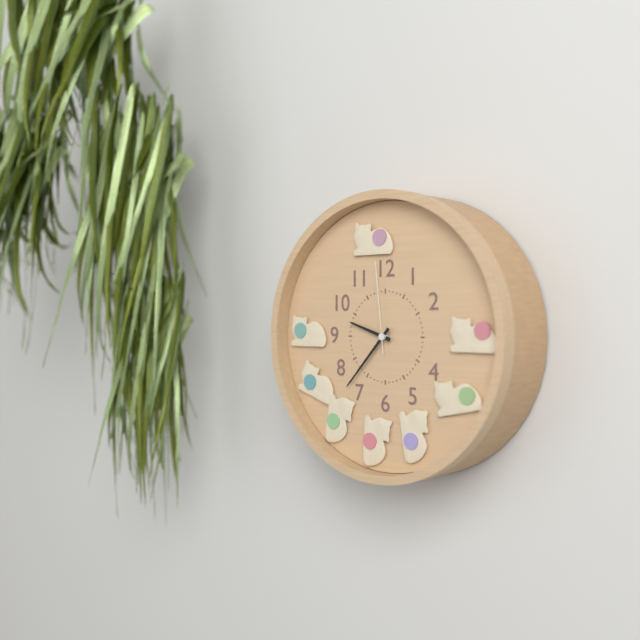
9:37:59
